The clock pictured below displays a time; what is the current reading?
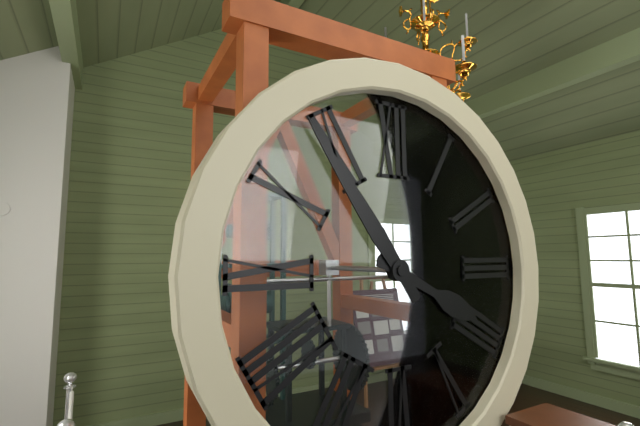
3:54
